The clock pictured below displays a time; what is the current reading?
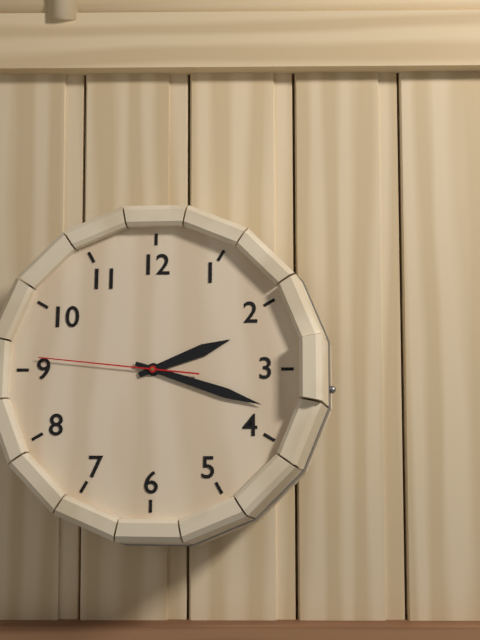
2:18:46
